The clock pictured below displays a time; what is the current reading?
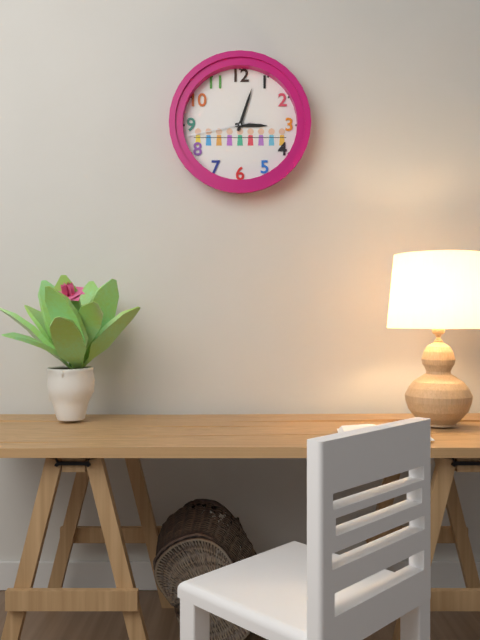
3:03:43
